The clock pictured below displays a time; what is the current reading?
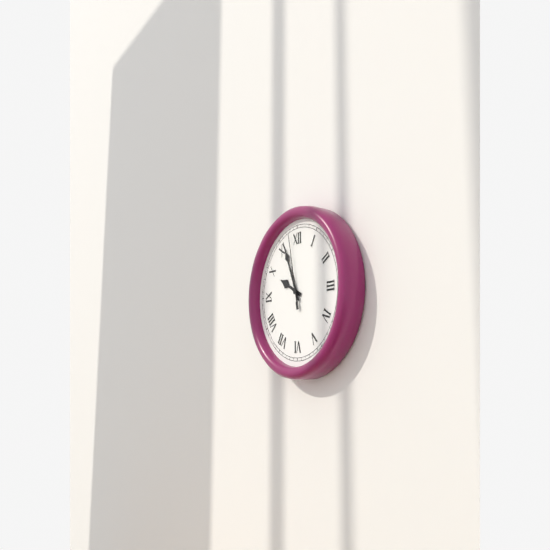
9:56:58
